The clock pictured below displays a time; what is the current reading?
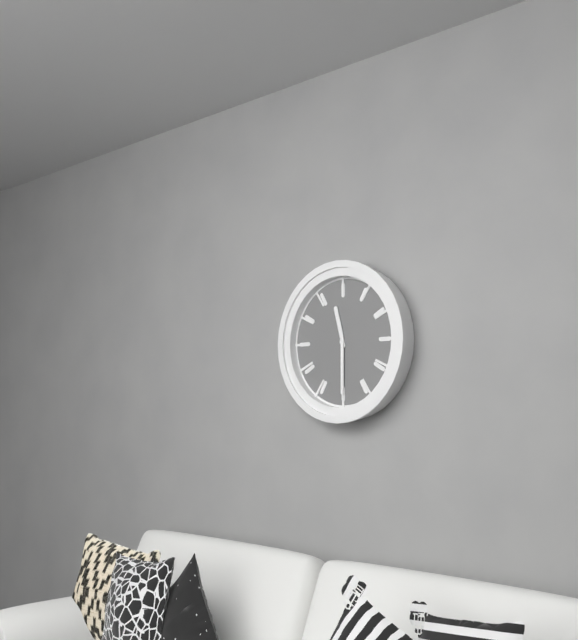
11:30
